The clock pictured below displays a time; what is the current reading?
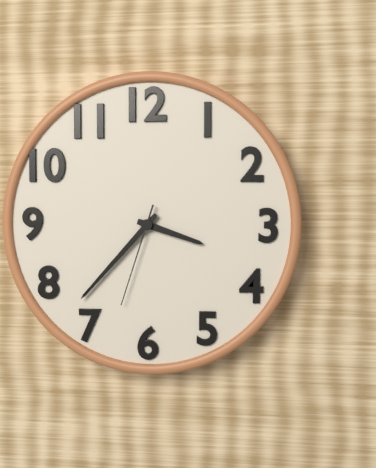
3:37:33
